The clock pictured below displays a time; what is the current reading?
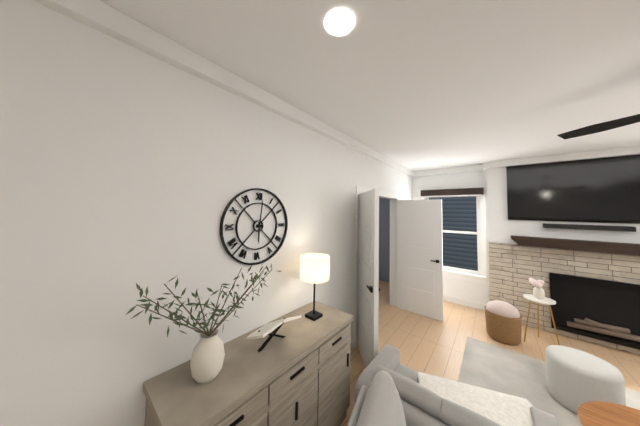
6:01
